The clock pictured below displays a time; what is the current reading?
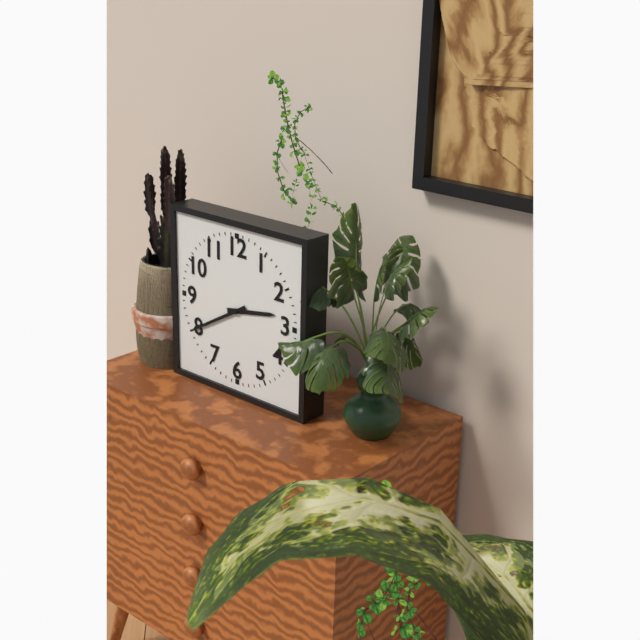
2:40
